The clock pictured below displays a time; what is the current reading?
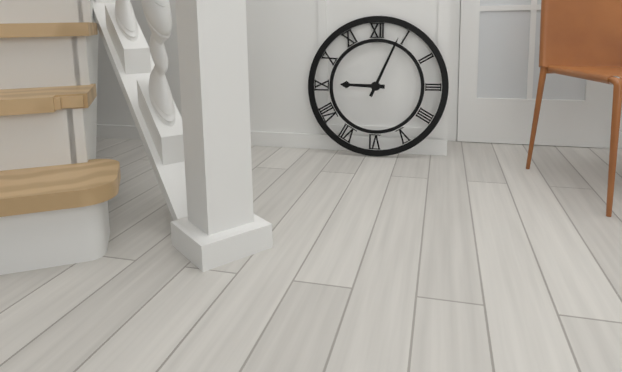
9:04
